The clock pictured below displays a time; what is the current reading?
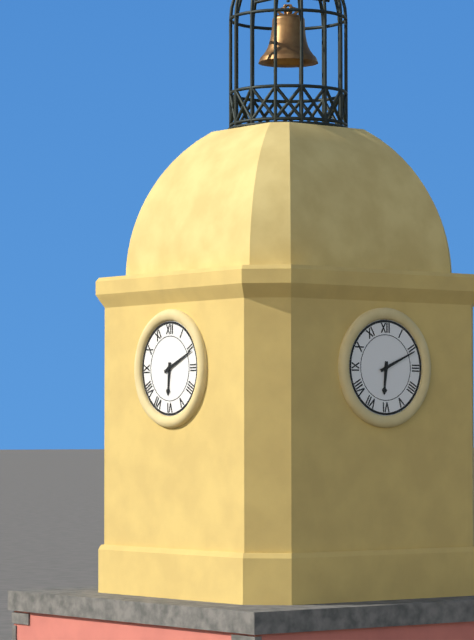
6:11
